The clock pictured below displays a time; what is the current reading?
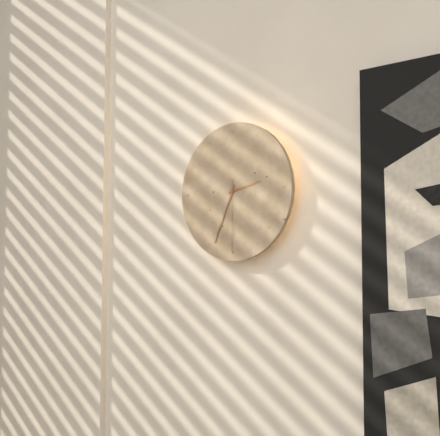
2:34:30
